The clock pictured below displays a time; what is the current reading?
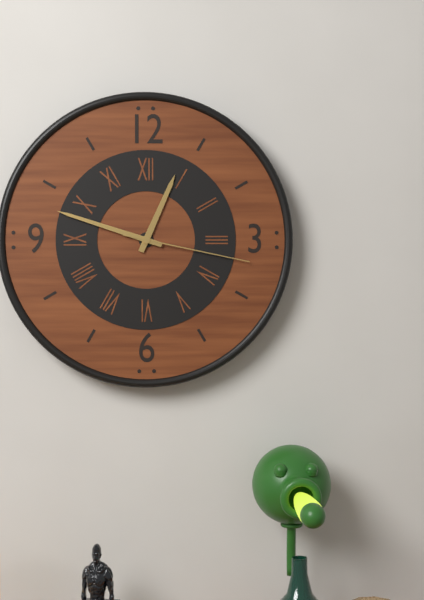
12:48:17
